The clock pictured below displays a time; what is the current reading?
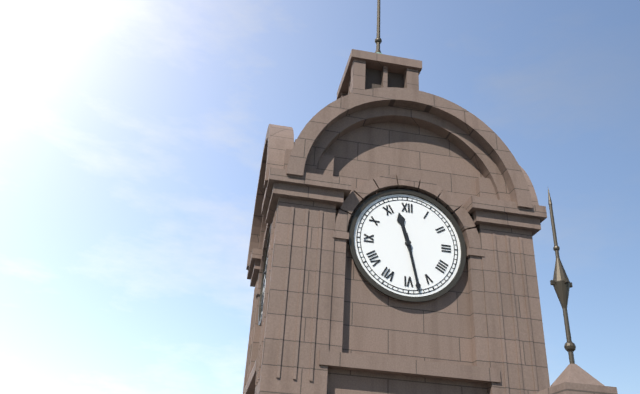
11:28
